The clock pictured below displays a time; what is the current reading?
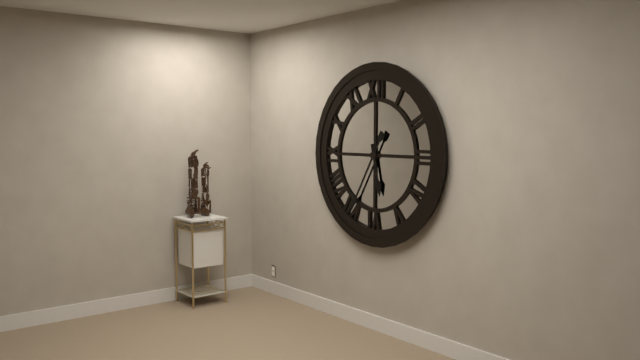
5:35
